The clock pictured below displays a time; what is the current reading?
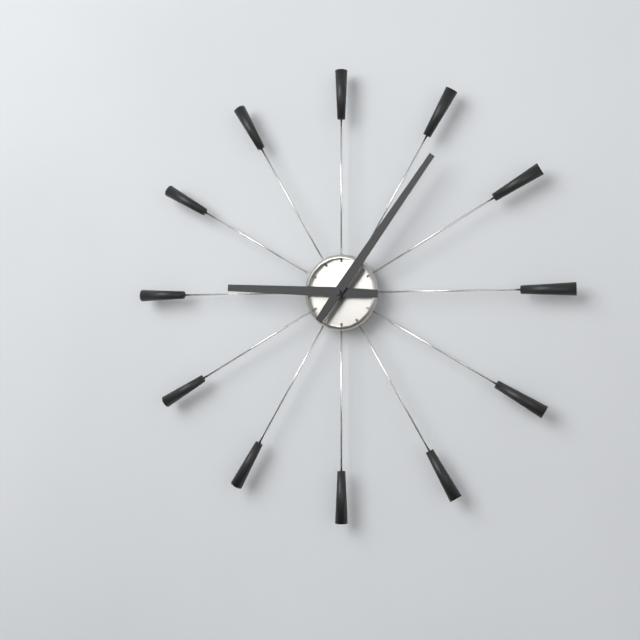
9:06
